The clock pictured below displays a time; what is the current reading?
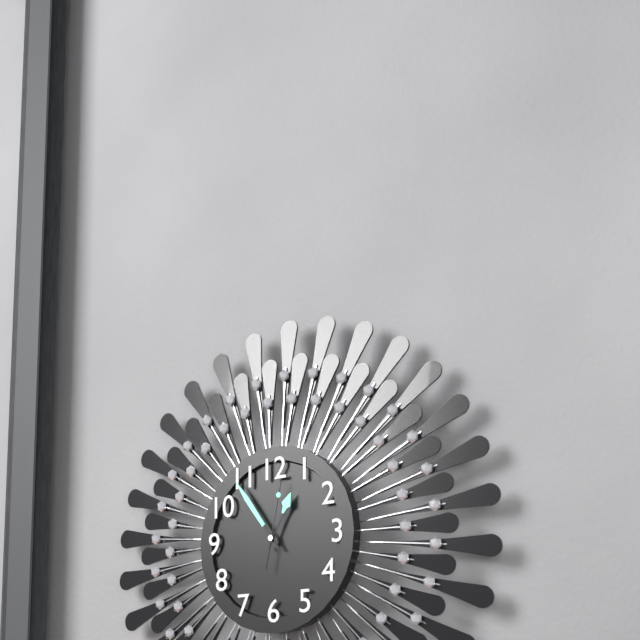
12:54:02
